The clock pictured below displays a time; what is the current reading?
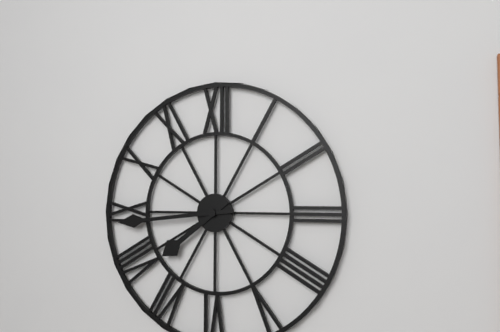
7:44
